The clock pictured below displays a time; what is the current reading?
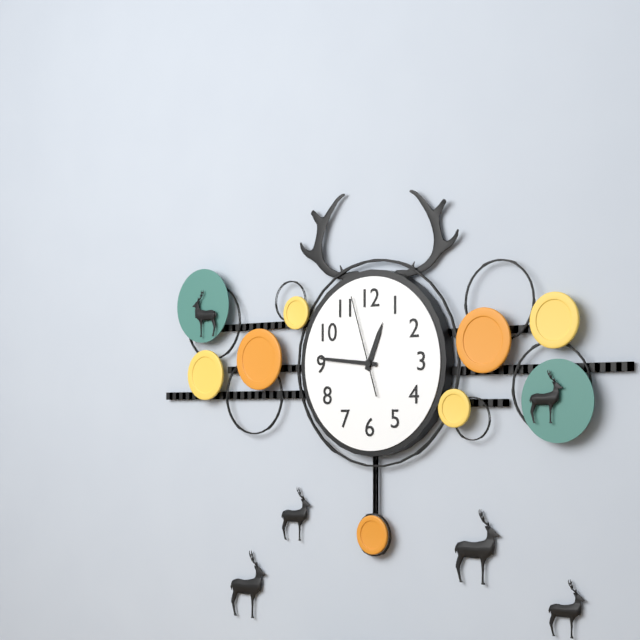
12:46:57
